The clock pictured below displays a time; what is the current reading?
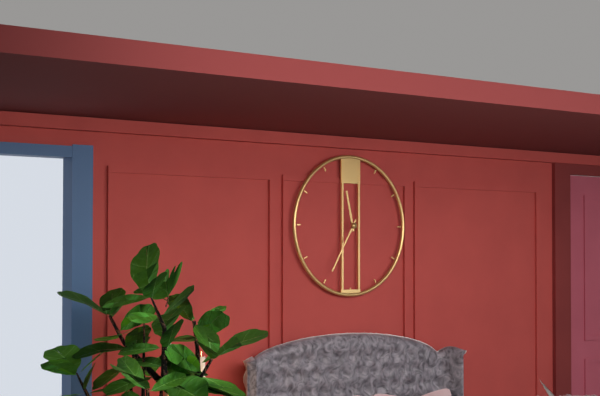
11:35
